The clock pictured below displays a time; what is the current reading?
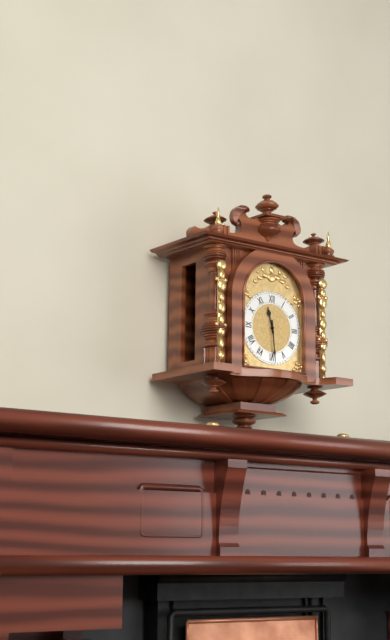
11:29
